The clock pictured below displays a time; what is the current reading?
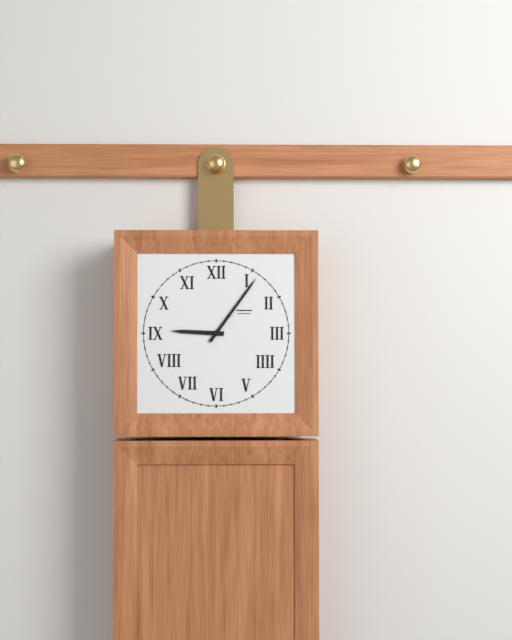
9:06
